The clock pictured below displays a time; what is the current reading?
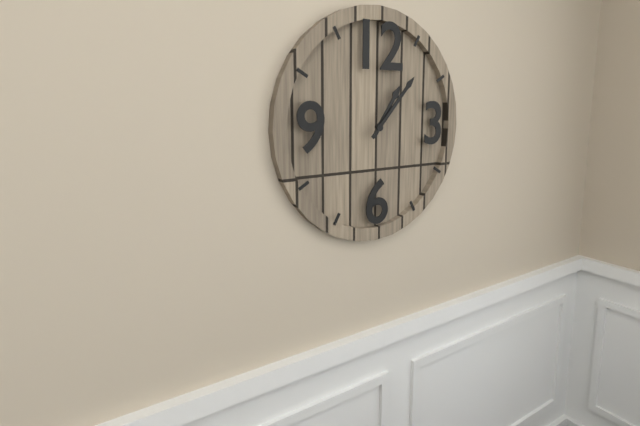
1:07
